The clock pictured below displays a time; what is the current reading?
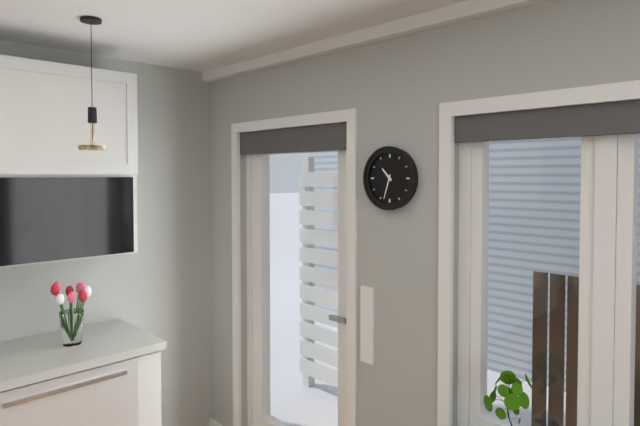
10:33
